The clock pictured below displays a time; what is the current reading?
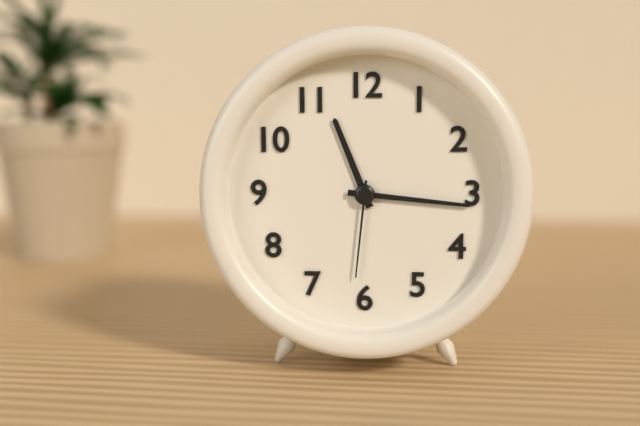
11:16:31
